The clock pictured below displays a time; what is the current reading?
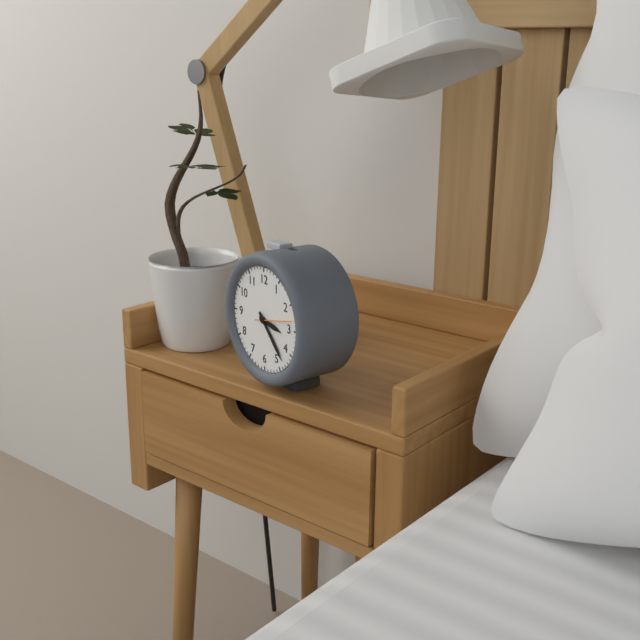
3:23
